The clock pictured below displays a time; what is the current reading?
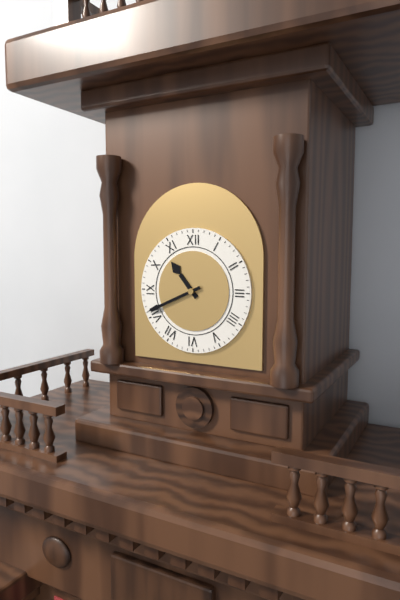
10:41
